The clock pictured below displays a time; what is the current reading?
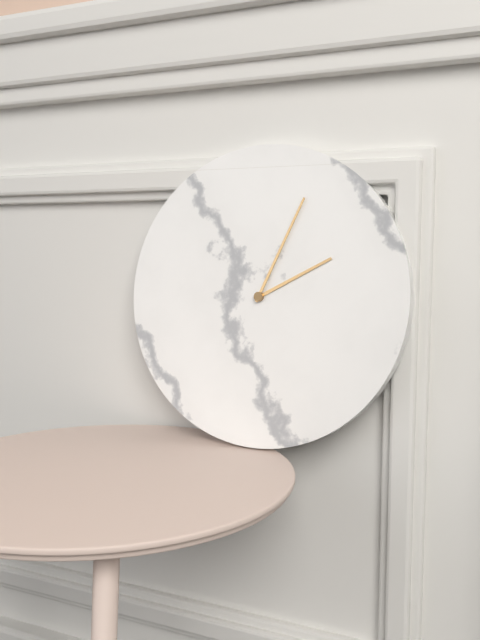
2:04
